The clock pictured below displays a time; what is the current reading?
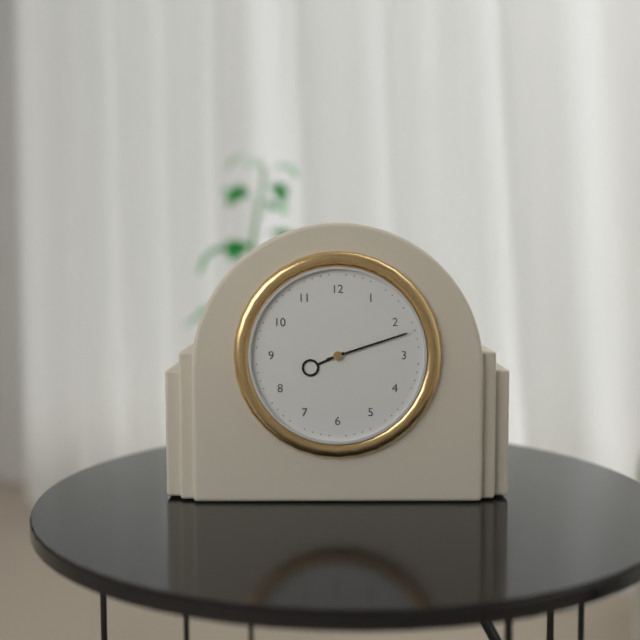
8:12
